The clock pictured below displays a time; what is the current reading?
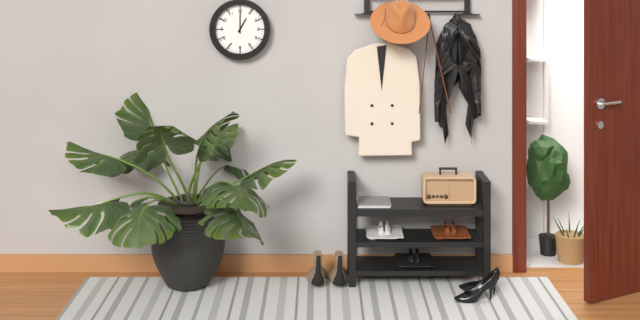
1:00
